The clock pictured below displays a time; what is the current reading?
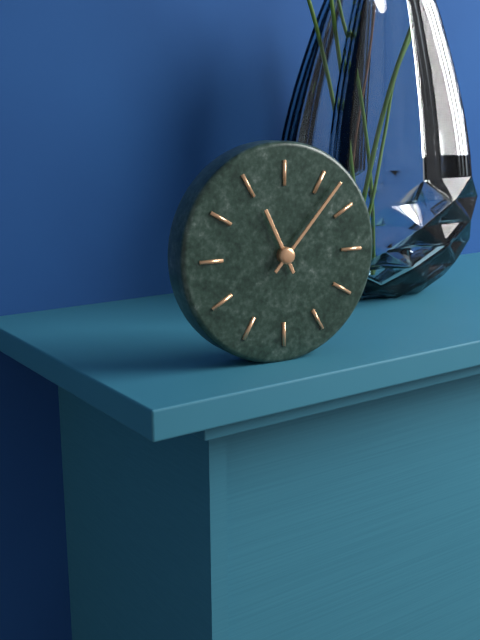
11:07
